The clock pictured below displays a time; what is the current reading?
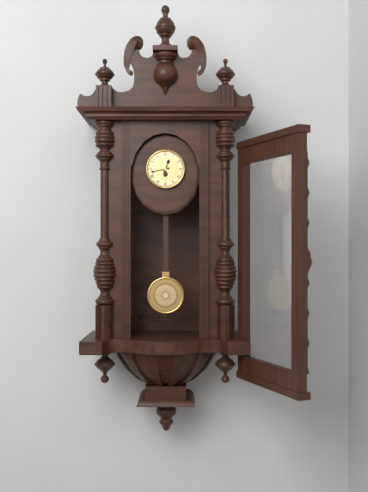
12:43
